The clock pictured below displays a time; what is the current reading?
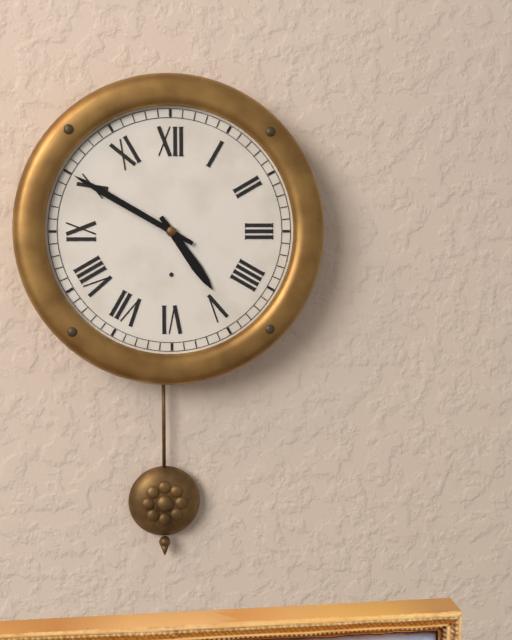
4:50
